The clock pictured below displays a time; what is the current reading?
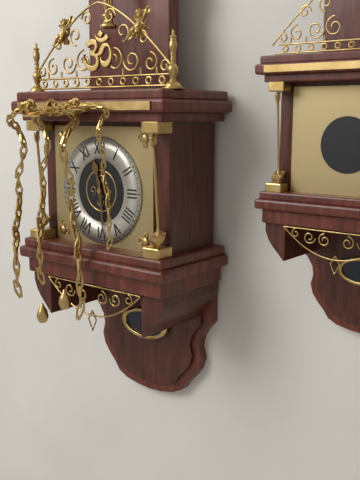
11:29
